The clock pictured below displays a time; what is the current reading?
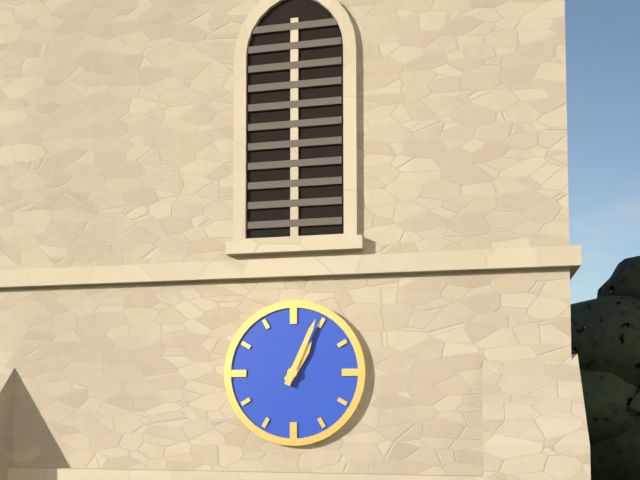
1:04
